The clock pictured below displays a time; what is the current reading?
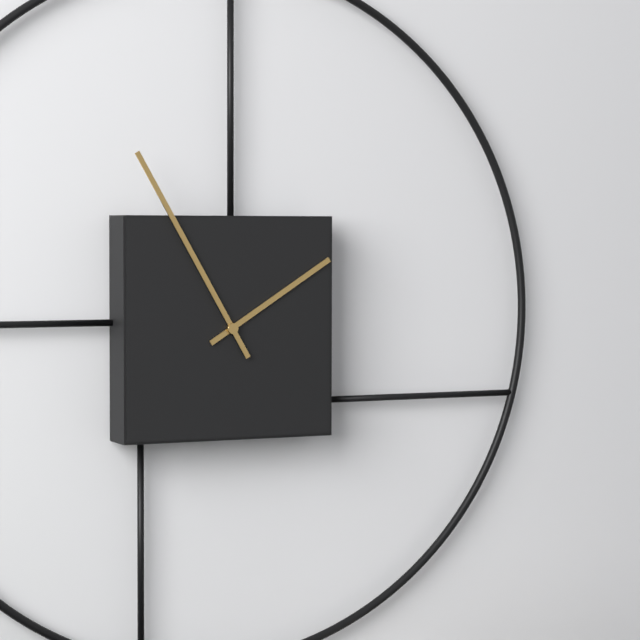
1:55
